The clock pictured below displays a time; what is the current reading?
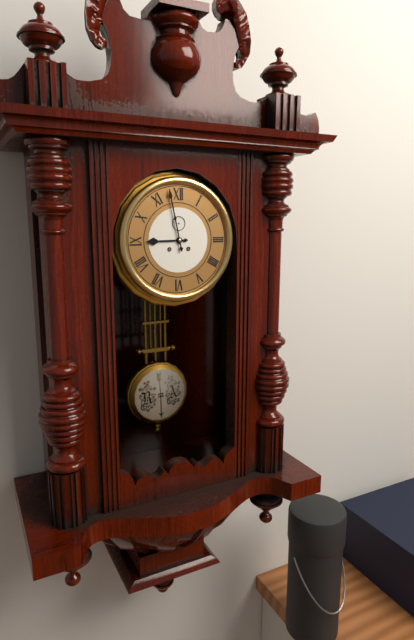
8:58
